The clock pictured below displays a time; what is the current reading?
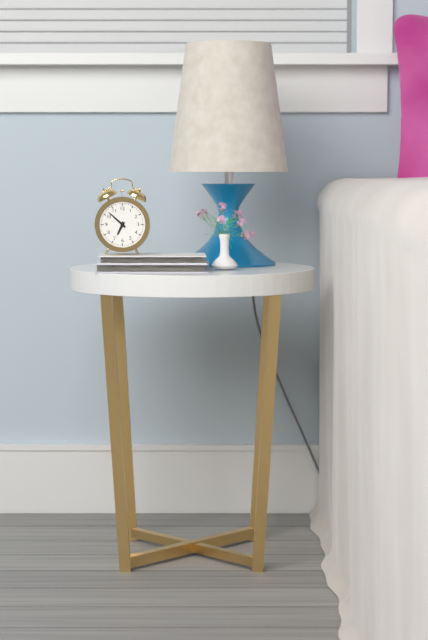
6:52
